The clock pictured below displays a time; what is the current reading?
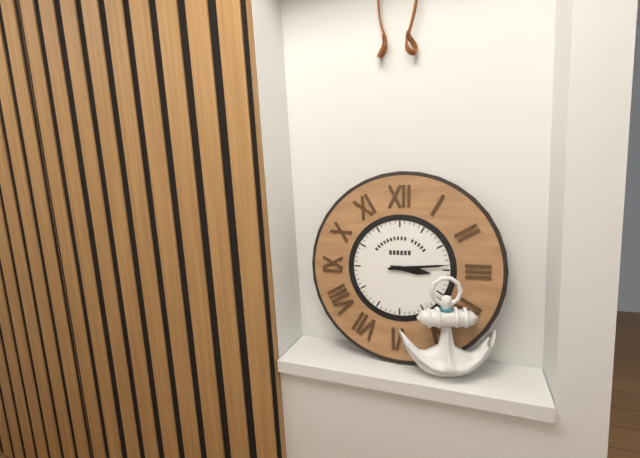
3:14
